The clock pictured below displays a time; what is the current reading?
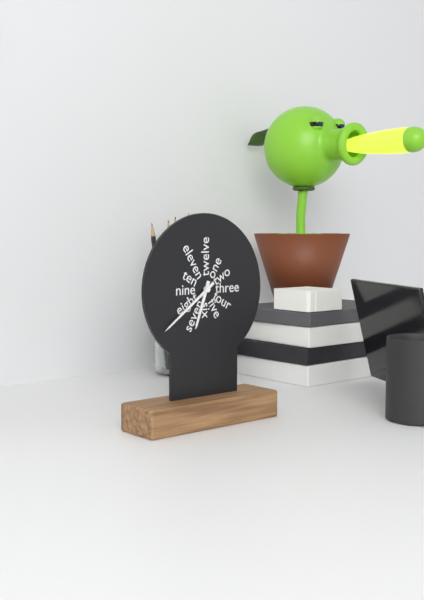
6:39
